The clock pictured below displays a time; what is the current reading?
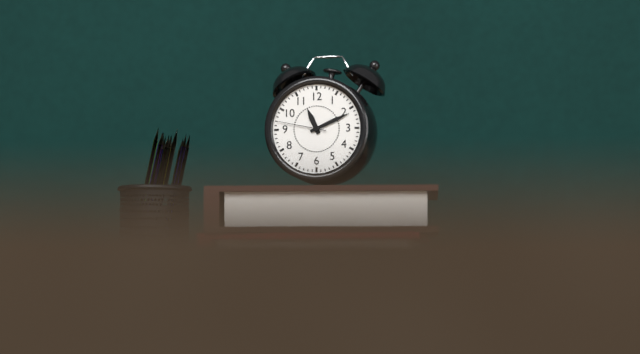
11:11:47
